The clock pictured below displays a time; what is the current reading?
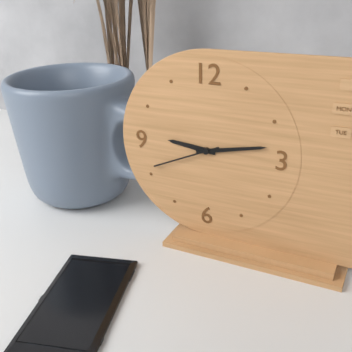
9:13:41
